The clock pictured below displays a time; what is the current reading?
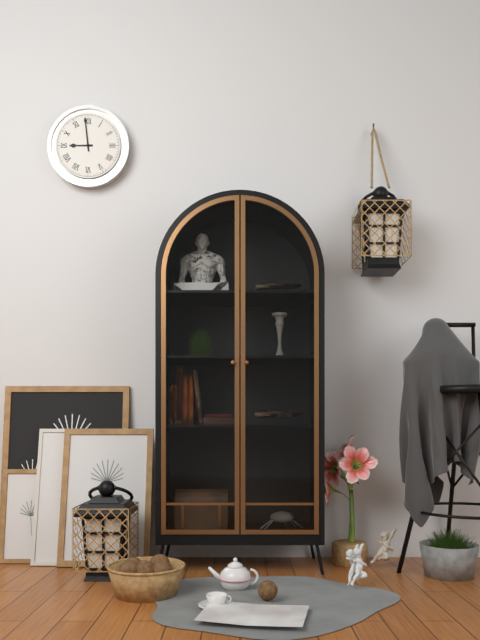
8:59
